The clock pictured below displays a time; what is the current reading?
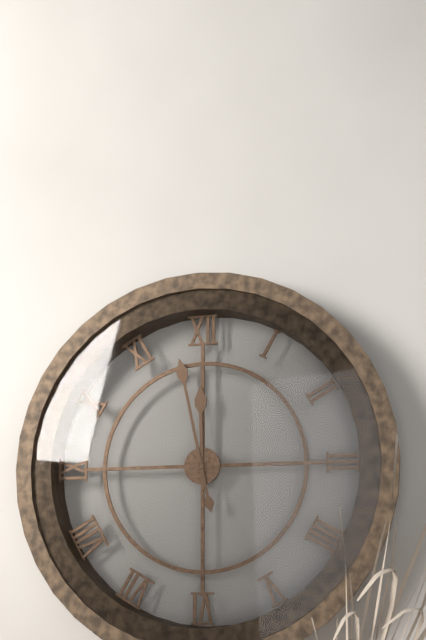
11:58
